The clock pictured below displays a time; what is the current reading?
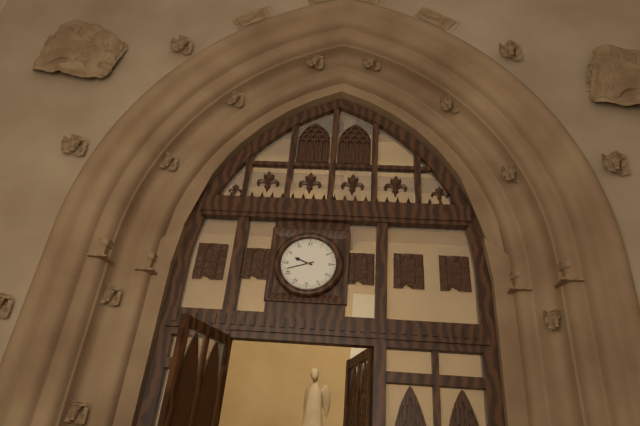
9:42
